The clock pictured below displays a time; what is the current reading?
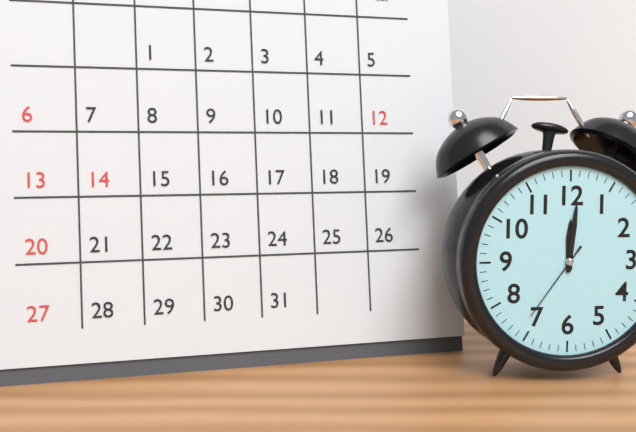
12:01:36
